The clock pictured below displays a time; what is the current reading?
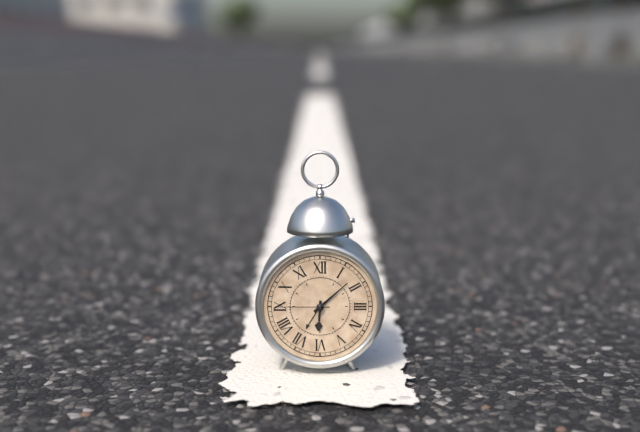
6:08:45
